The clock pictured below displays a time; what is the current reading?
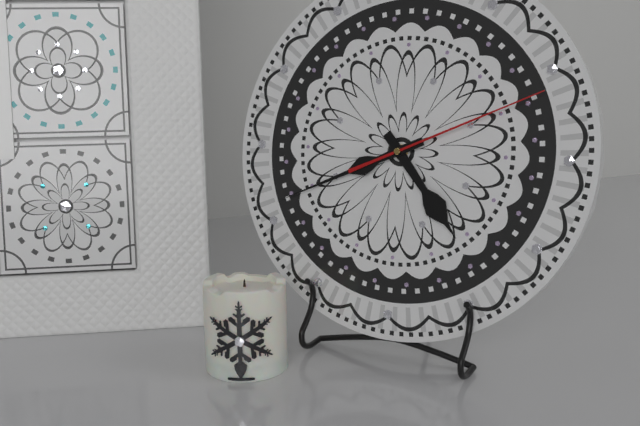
4:41:11
